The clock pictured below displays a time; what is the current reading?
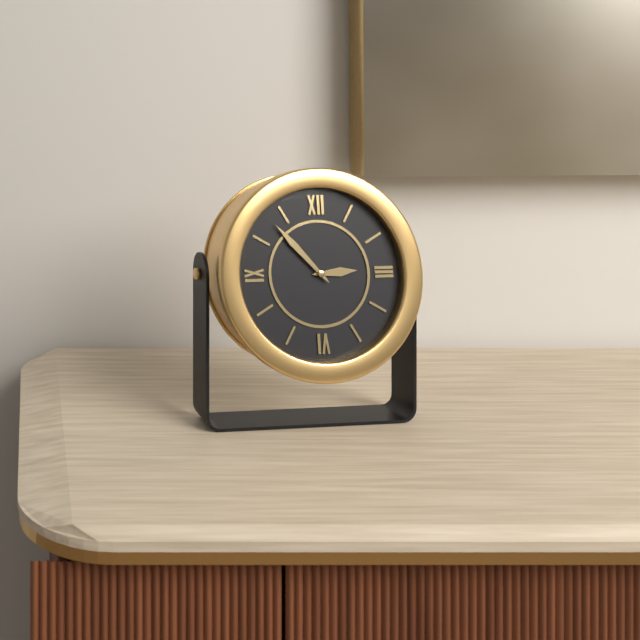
2:53
